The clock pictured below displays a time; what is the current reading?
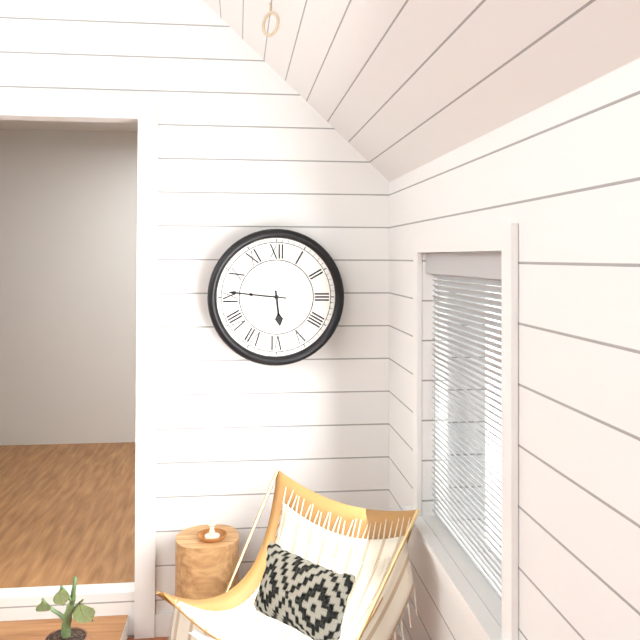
5:46
